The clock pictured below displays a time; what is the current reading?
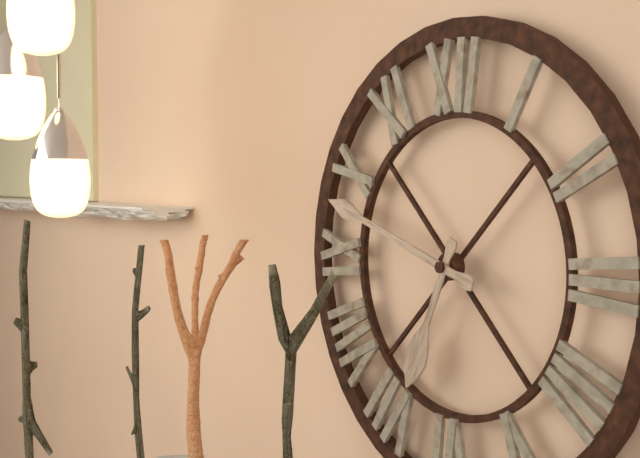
6:48
